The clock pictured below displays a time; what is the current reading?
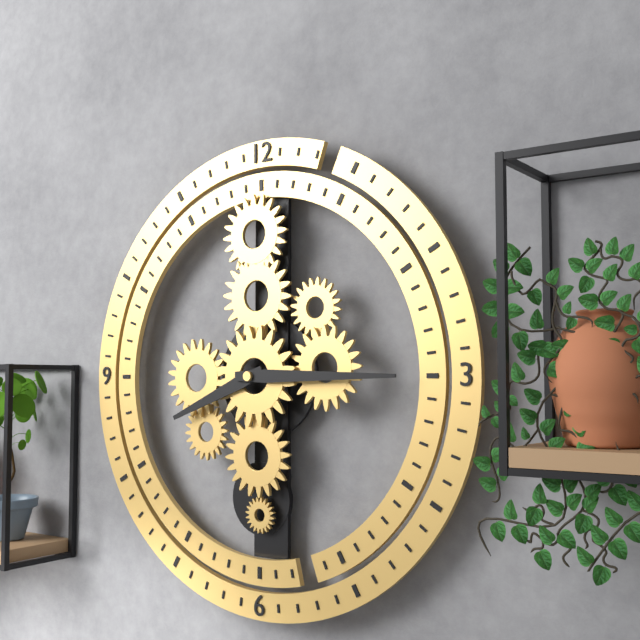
8:15
